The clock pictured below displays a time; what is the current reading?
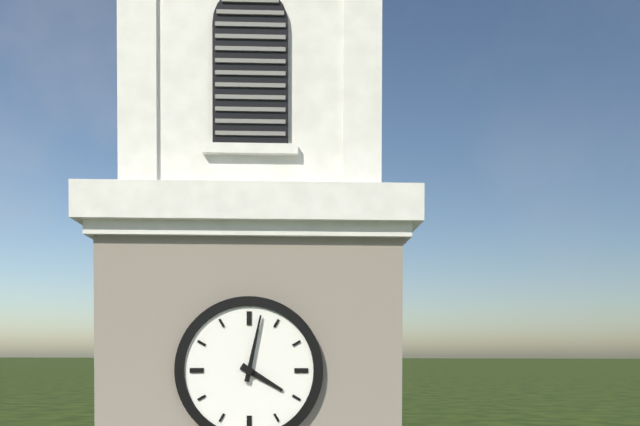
4:02
